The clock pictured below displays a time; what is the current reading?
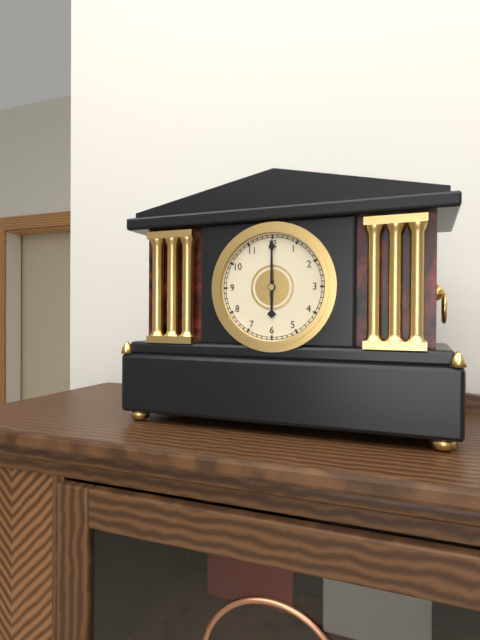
6:00
